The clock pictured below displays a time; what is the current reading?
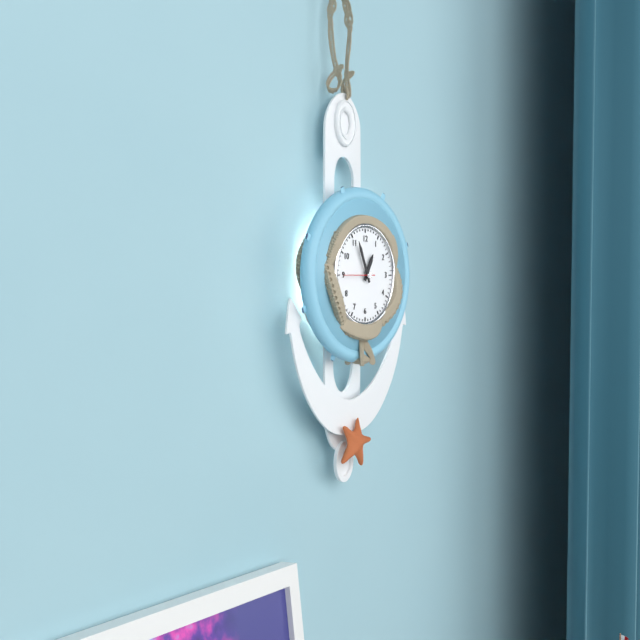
12:56
